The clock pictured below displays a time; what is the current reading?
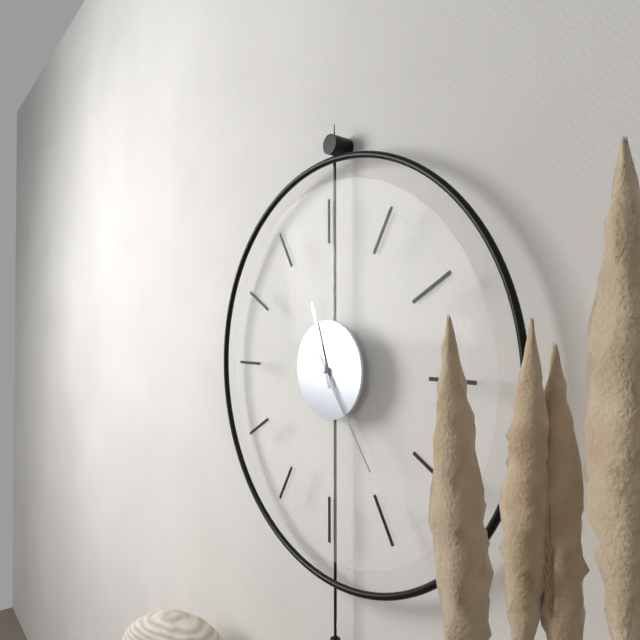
11:24
